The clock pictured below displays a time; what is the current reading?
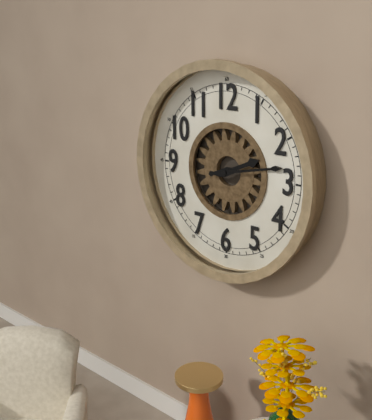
2:13
